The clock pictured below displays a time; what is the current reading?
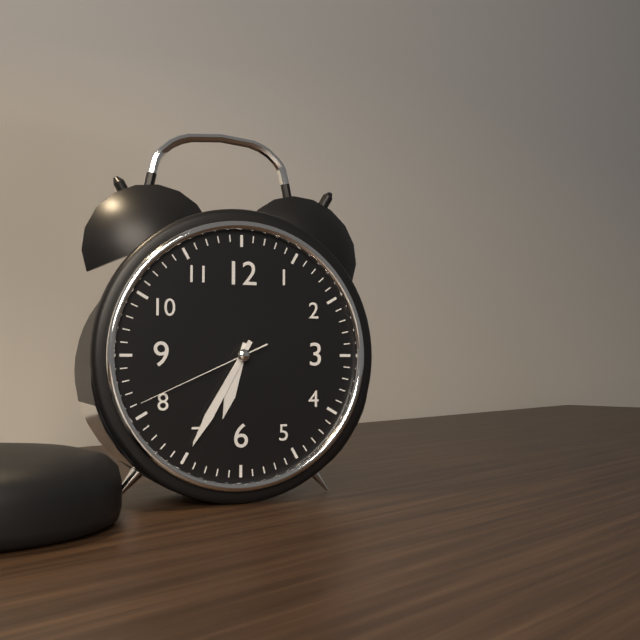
6:35:41
